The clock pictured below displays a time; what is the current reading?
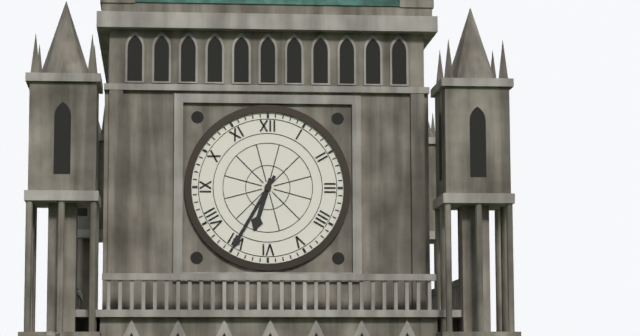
6:35
